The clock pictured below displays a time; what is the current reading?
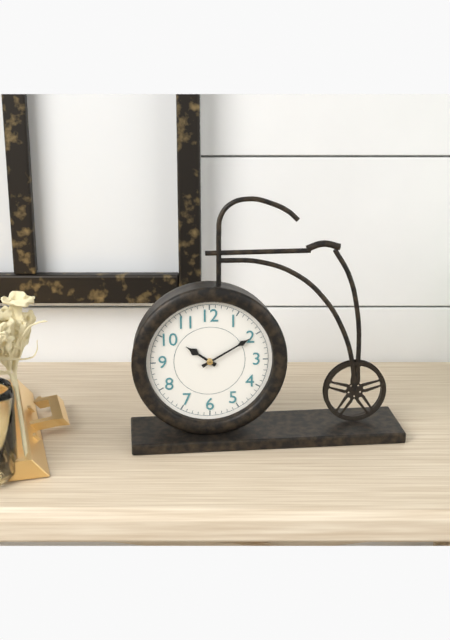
10:10
